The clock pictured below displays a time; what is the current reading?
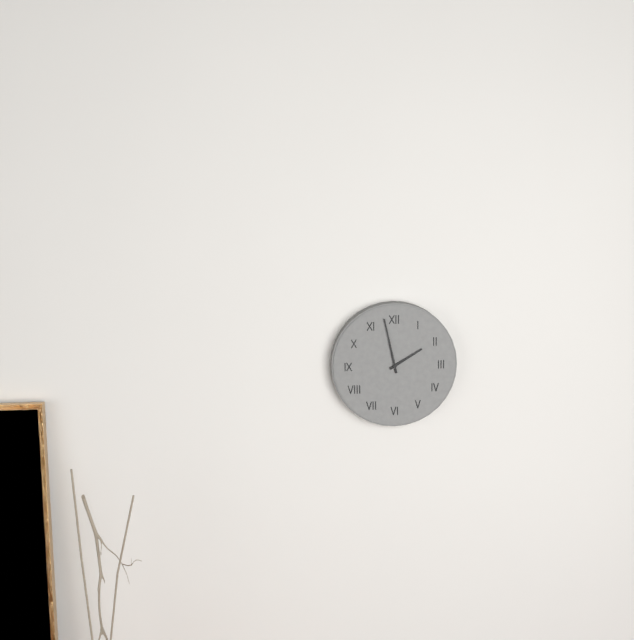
1:58
